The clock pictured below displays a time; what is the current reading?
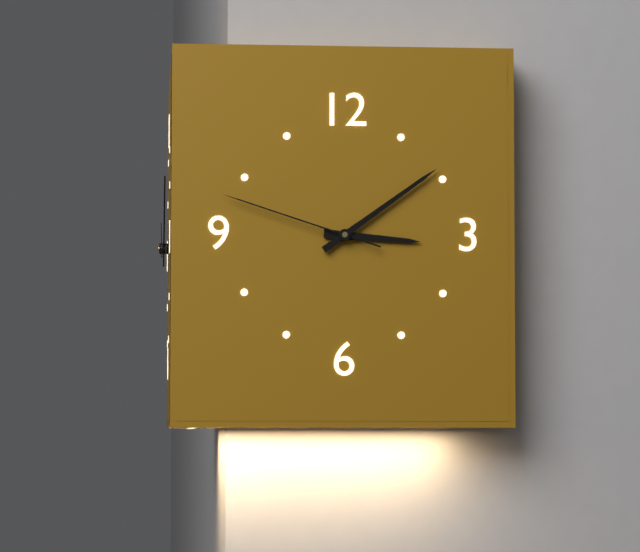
3:09:48
